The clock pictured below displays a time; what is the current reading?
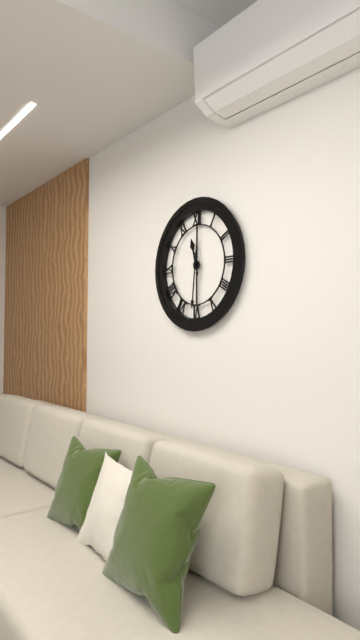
11:31
